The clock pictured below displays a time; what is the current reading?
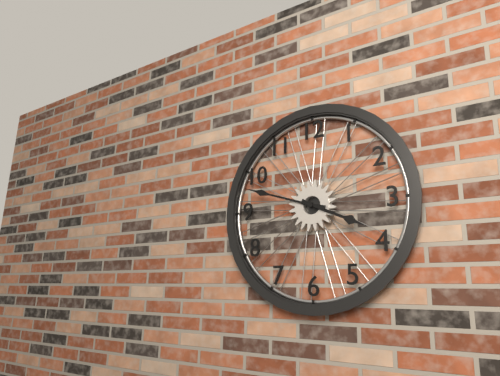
3:48
